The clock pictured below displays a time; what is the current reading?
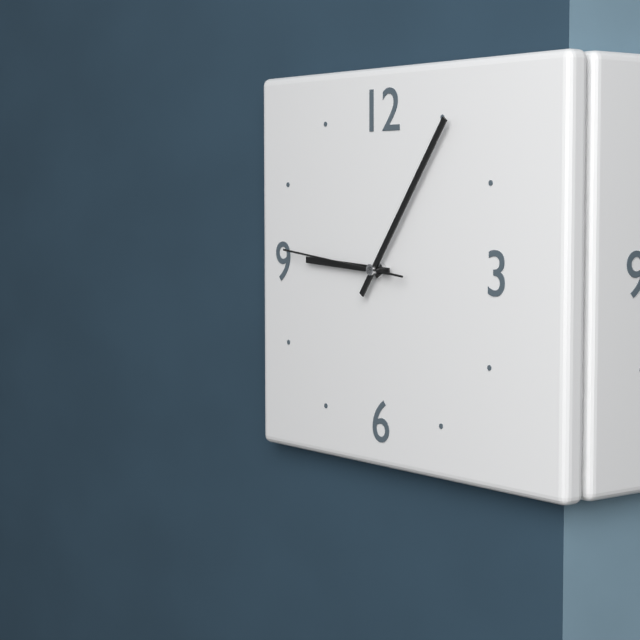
9:06:46
